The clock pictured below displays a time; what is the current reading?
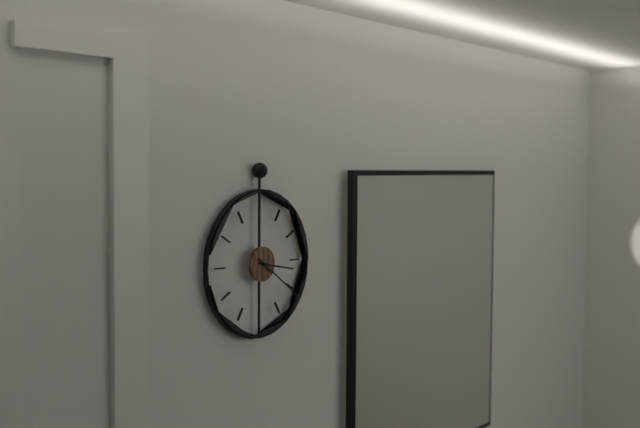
3:21
